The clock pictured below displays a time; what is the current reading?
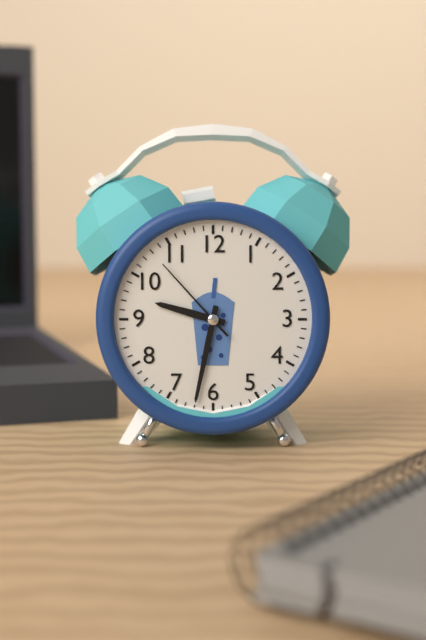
9:32:53
